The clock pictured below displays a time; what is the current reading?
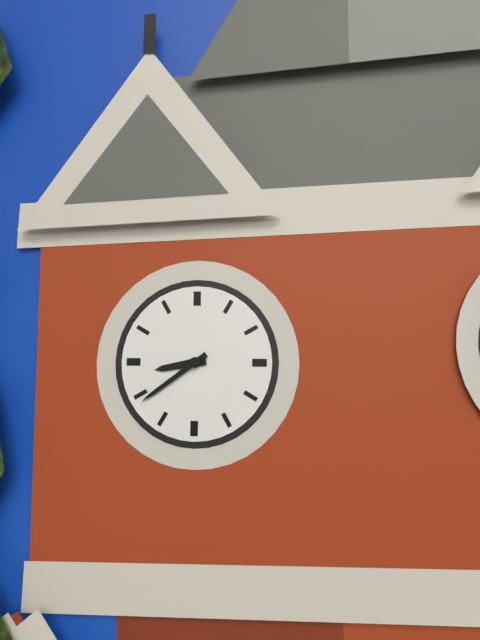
8:39
